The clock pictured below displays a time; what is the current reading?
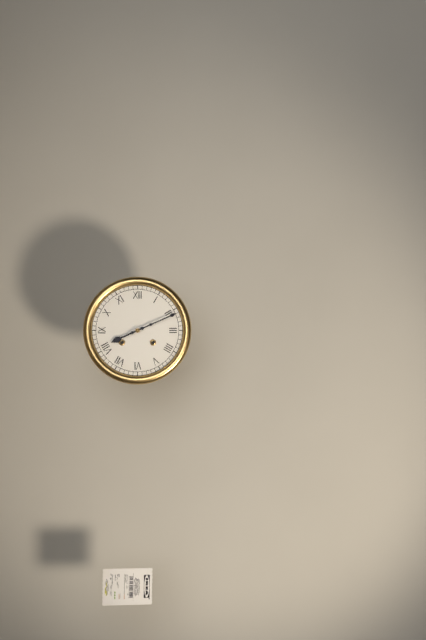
8:11
